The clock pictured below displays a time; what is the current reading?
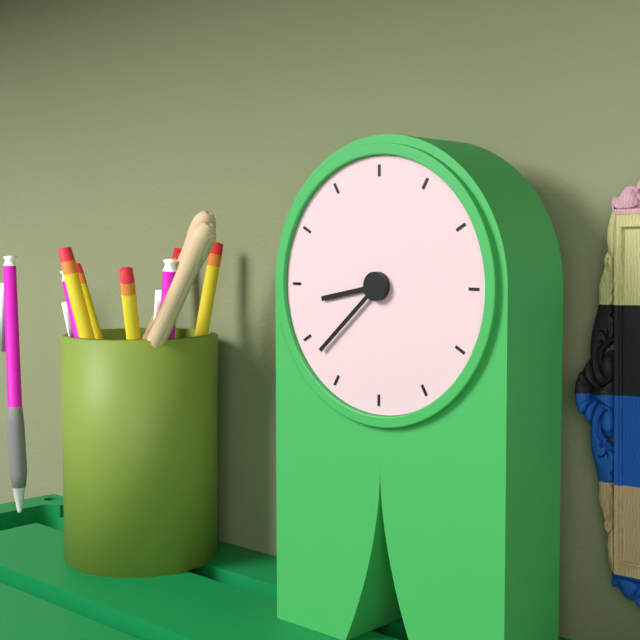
8:38
